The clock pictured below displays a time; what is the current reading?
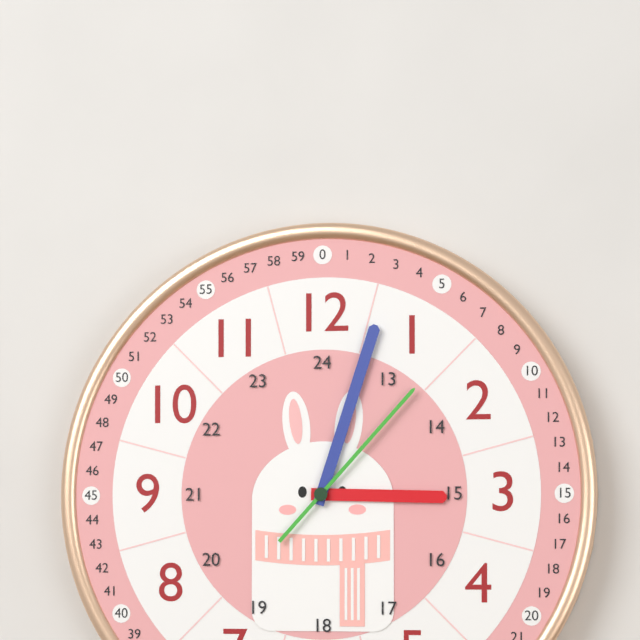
3:03:07
